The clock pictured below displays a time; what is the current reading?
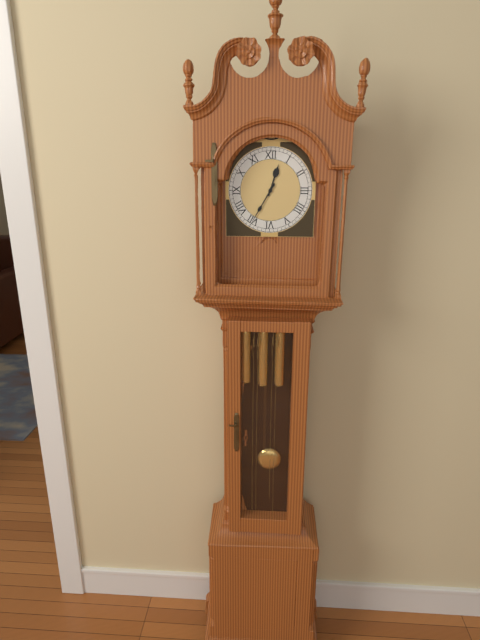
12:35
